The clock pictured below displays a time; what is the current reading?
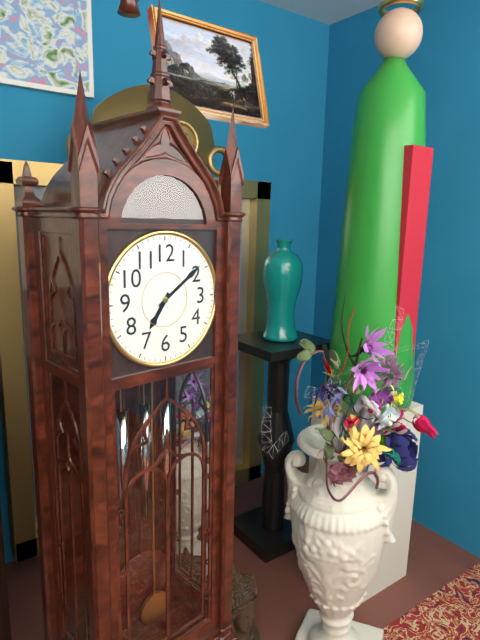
7:09
